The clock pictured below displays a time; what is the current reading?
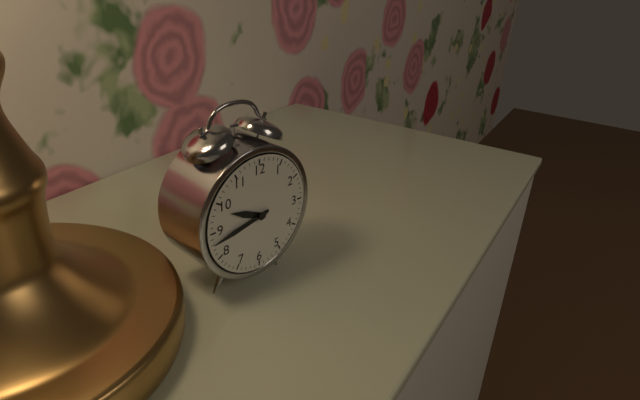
9:43
